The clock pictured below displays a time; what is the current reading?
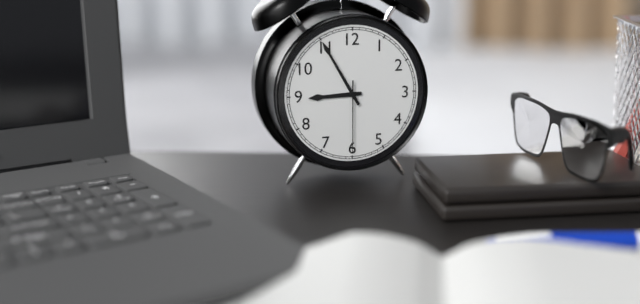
8:55:30
